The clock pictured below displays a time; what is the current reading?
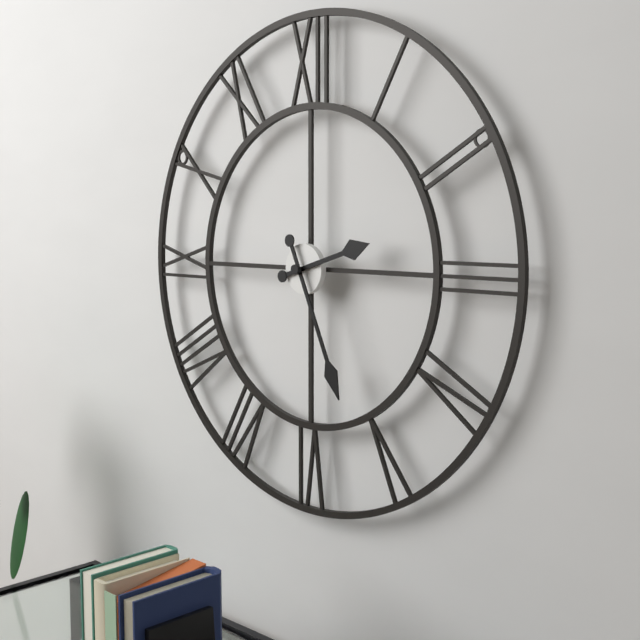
2:26
